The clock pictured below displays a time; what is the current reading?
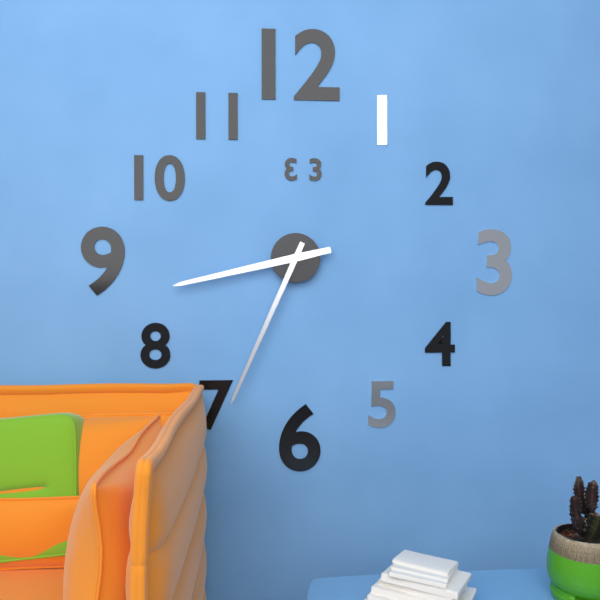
8:34
